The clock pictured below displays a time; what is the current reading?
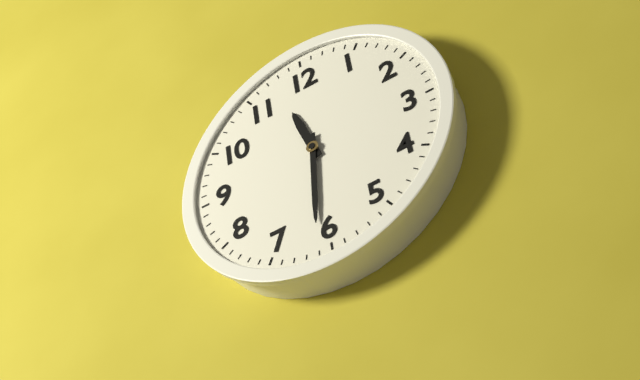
11:31
